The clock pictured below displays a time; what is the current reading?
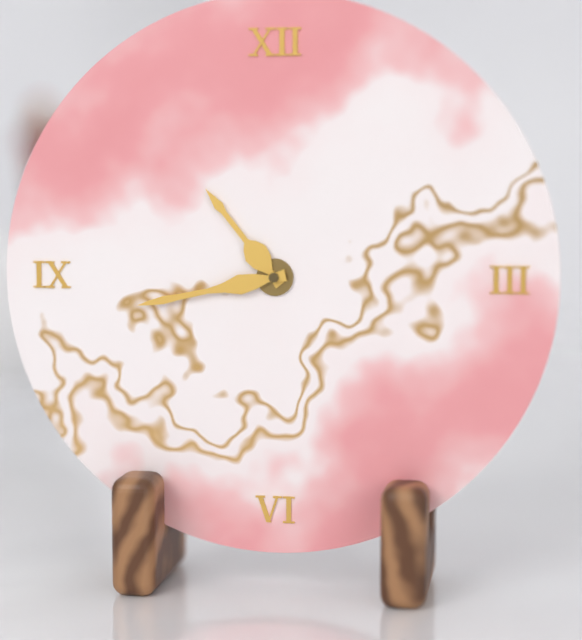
10:43
